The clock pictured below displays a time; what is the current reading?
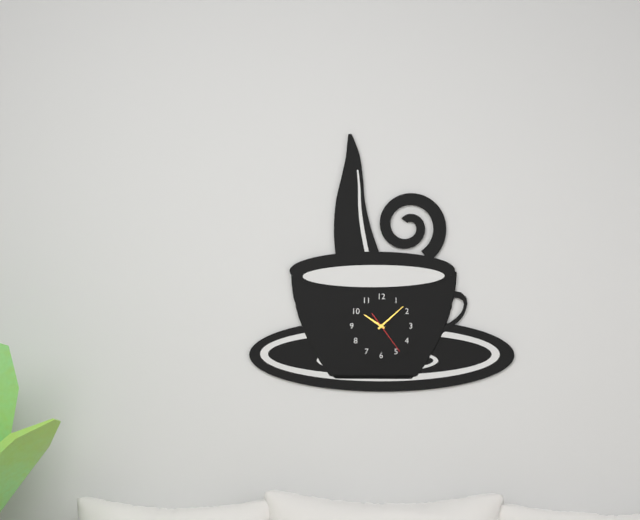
10:08
